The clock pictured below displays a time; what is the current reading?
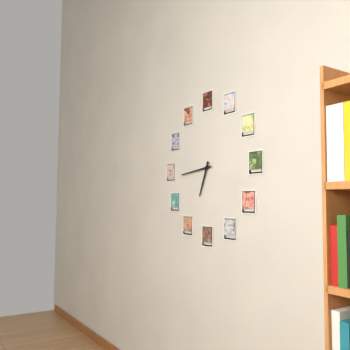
6:44
